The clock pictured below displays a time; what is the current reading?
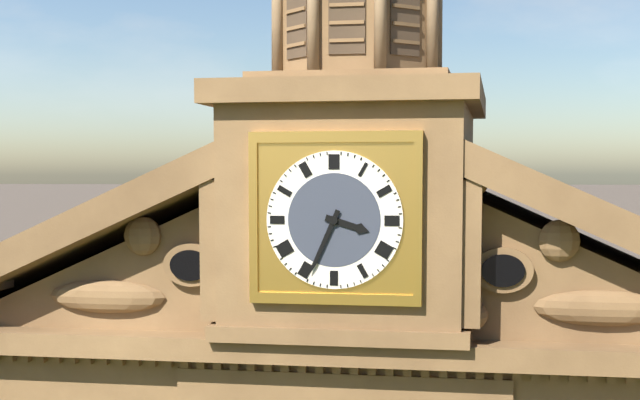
3:34
